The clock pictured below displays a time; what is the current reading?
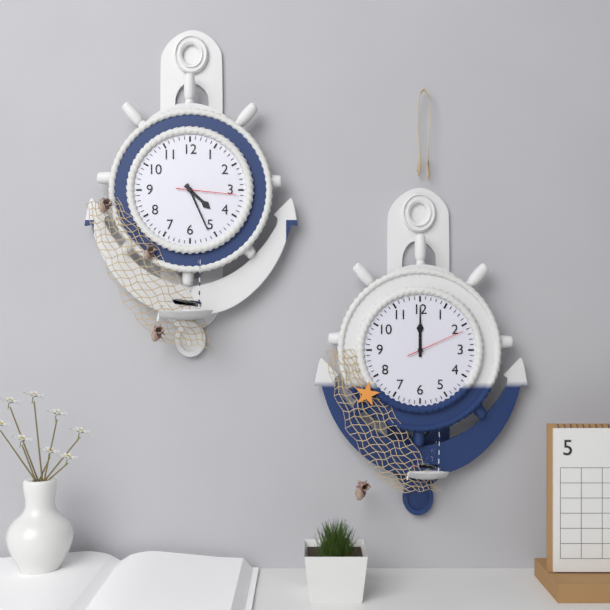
4:26:16
